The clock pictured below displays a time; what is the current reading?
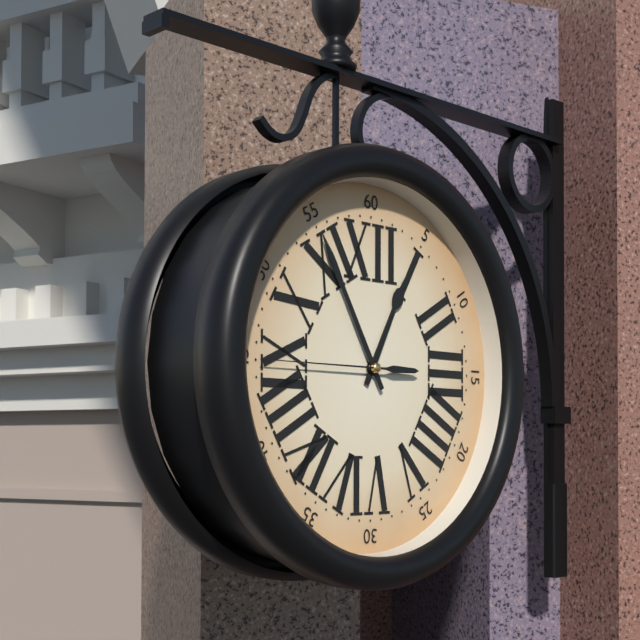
12:55:45
